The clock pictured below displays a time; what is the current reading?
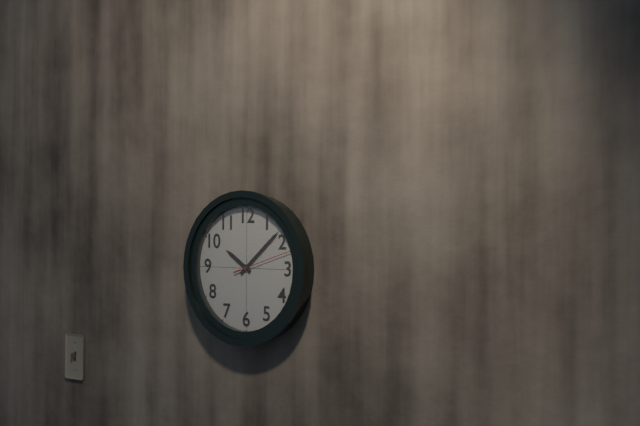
10:08:12
